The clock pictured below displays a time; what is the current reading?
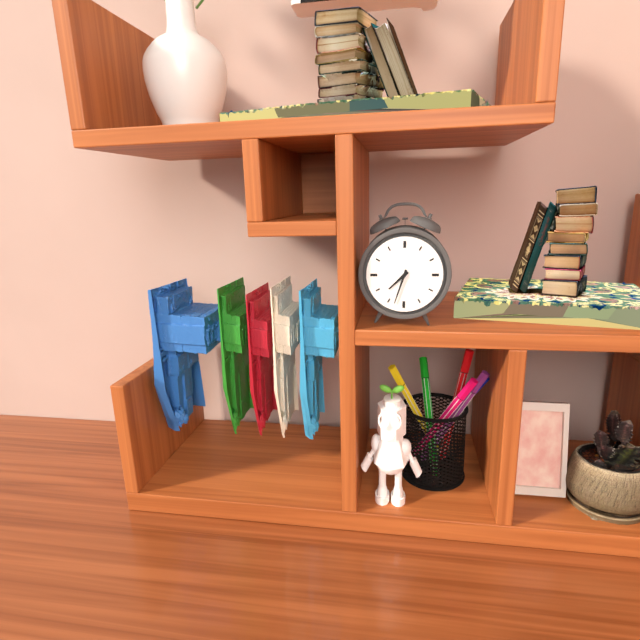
7:33
